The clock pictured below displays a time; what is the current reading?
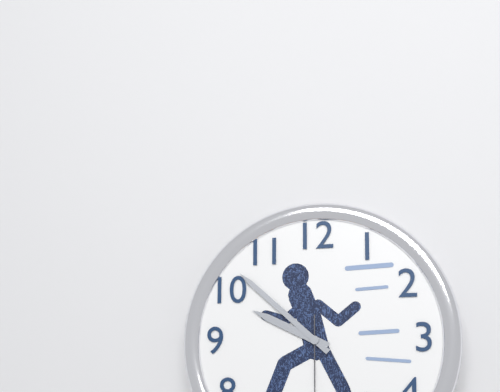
9:52
